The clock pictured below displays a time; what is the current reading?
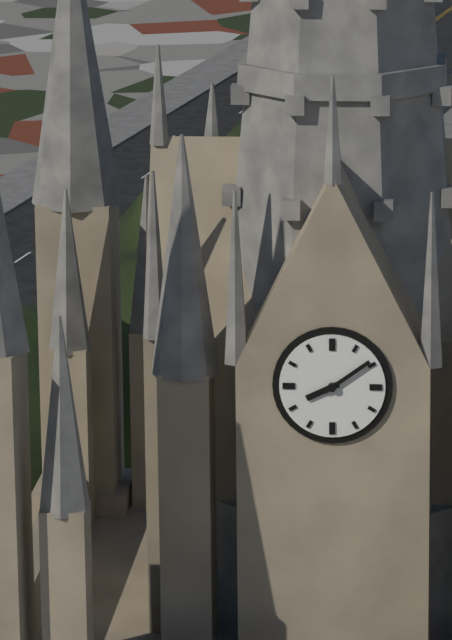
8:09
